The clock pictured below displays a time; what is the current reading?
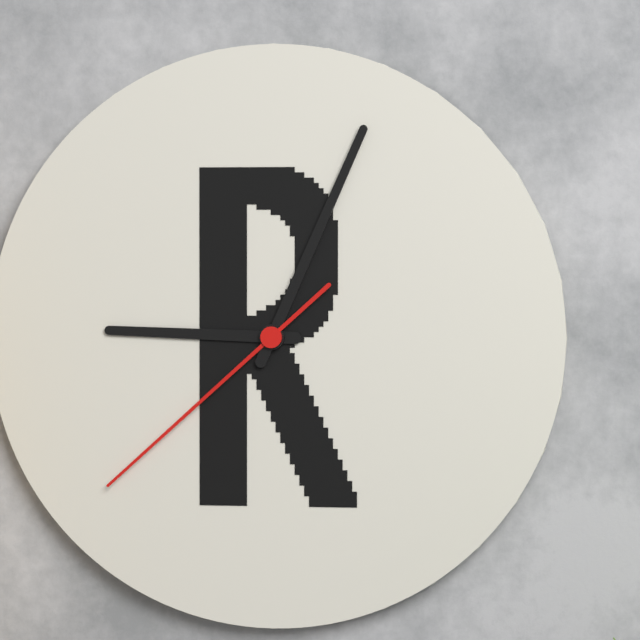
9:04:38
